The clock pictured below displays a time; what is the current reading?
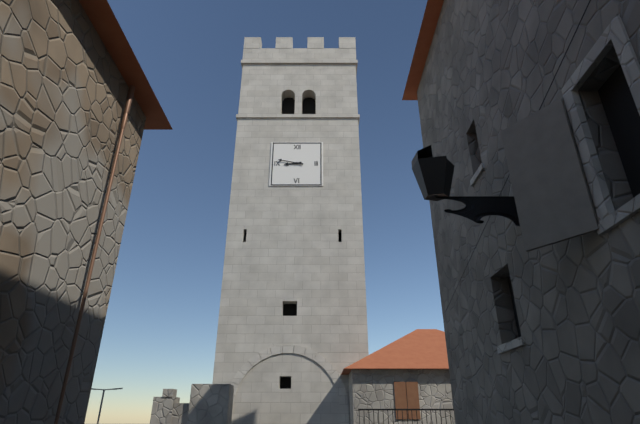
8:47
